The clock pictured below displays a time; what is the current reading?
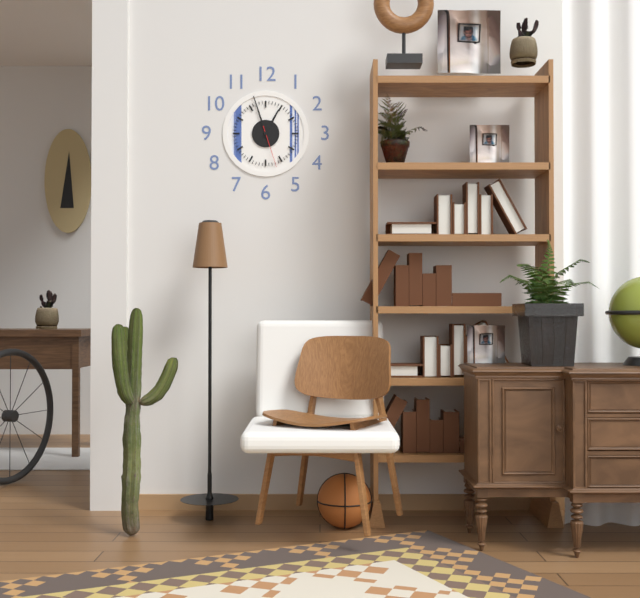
12:57
